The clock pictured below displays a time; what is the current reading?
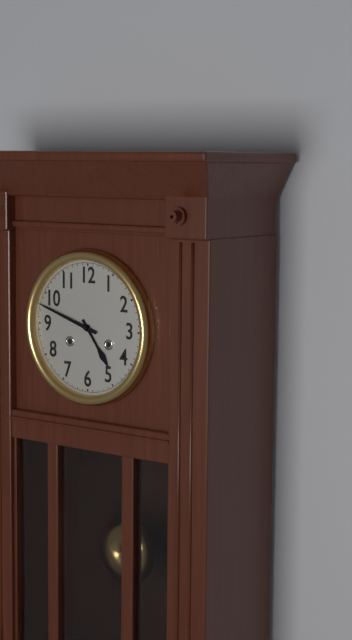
4:48
